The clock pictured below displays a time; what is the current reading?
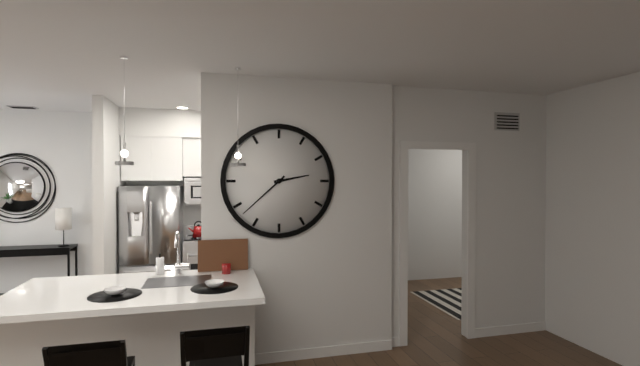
2:38
